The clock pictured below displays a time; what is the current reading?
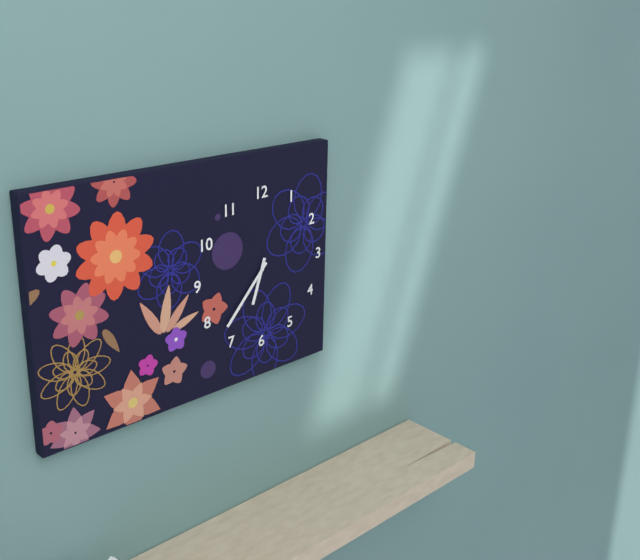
6:37
